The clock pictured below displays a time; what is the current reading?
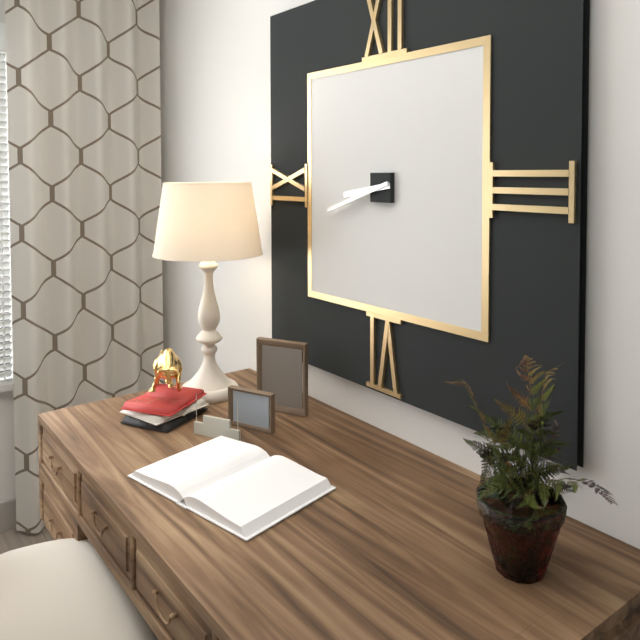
8:42
